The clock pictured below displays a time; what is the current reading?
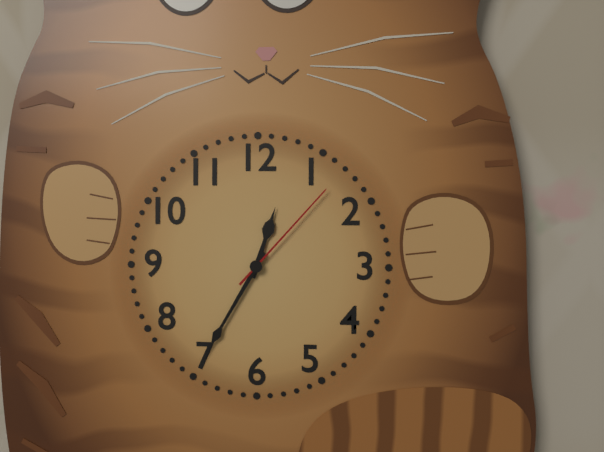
12:35:07
